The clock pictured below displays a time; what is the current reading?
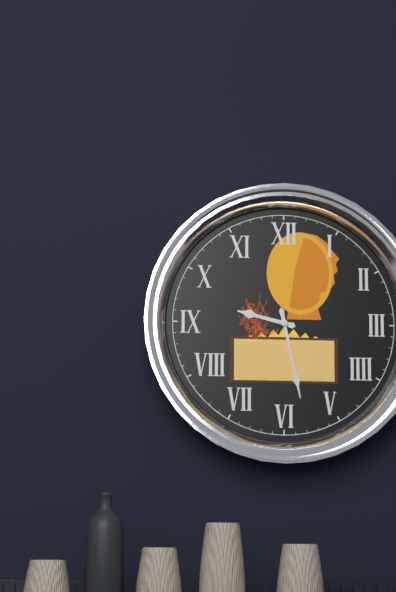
9:28
